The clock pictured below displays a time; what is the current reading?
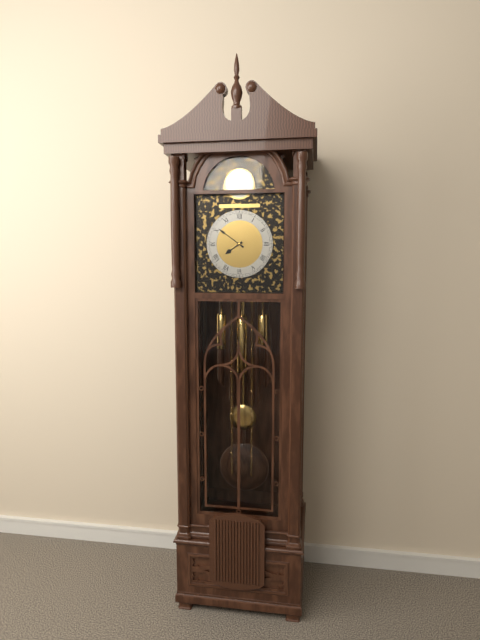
7:51
